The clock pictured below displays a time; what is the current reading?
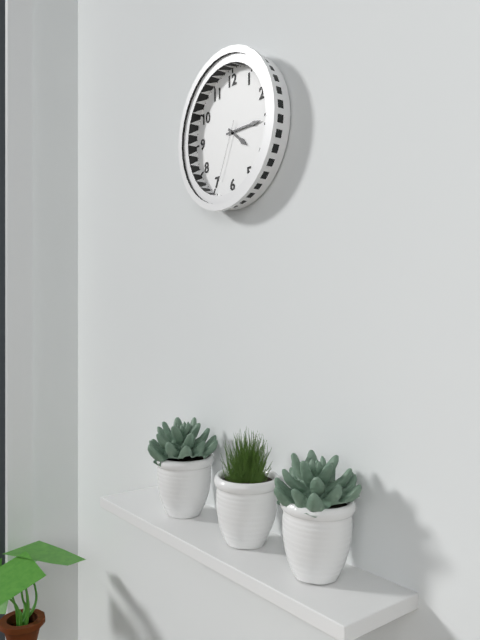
4:15:34
